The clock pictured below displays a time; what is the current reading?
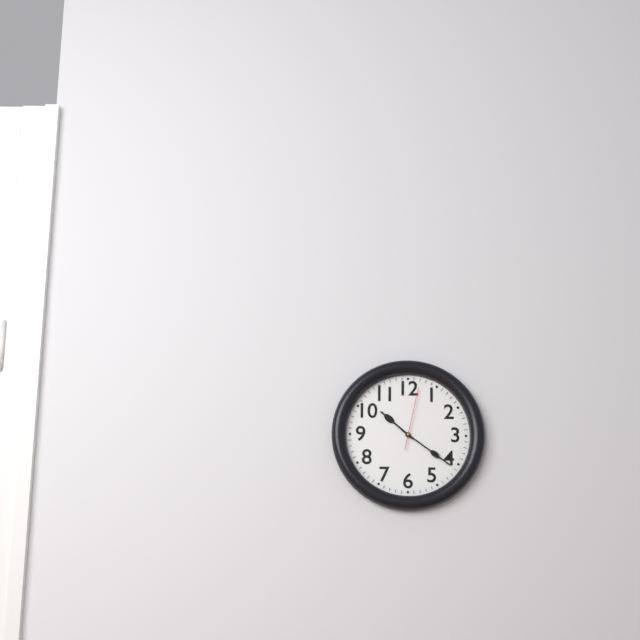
10:21:02
